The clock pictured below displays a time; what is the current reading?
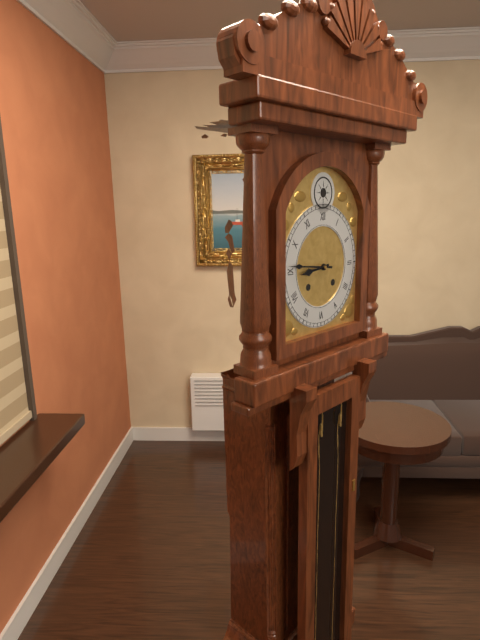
8:46
